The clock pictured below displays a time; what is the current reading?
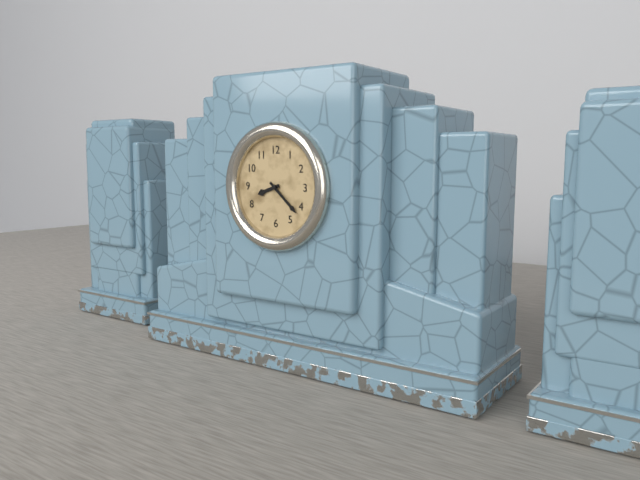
8:22
